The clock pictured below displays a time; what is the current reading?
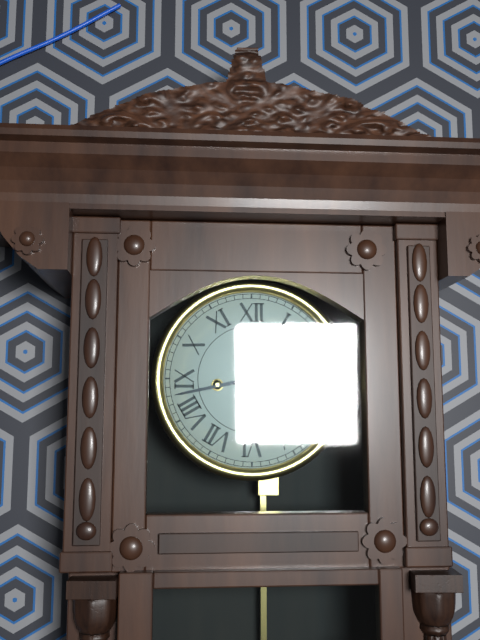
2:43
